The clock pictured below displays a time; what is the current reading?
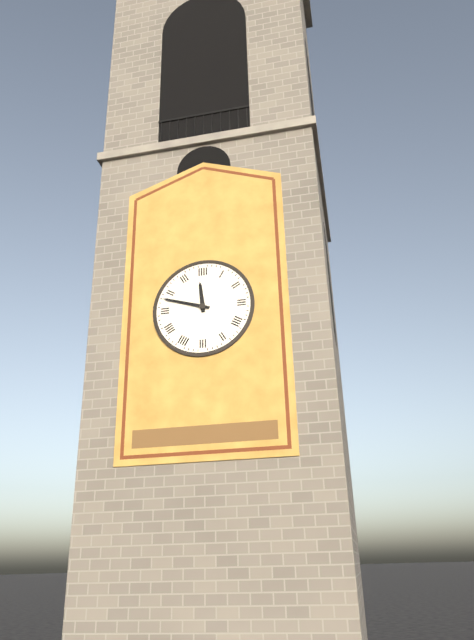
11:48
